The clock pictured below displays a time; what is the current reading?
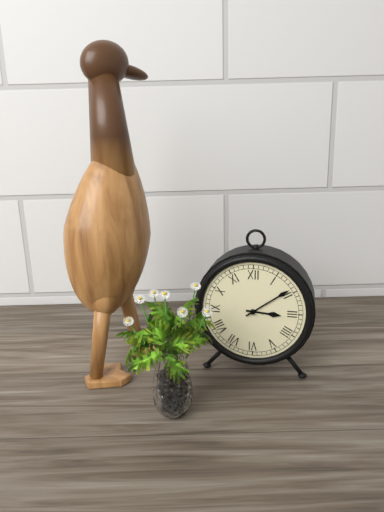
3:09
